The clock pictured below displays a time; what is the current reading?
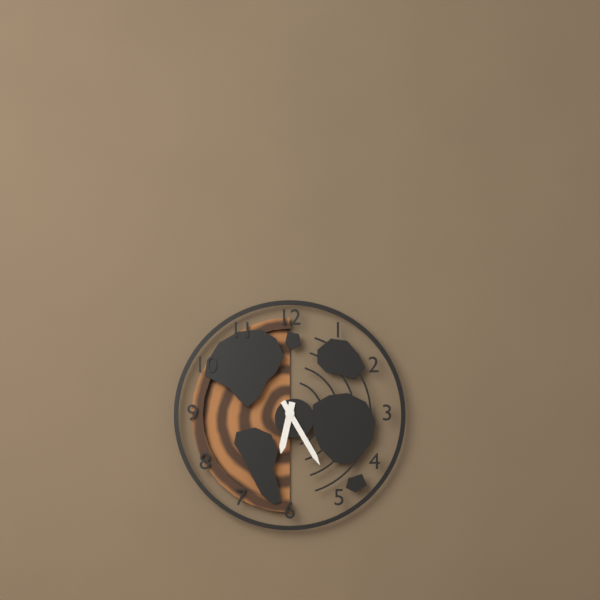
6:25
